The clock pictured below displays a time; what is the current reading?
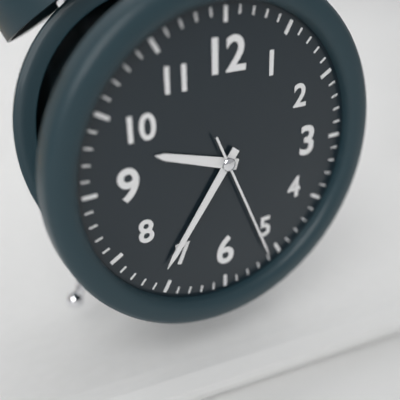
9:36:26
